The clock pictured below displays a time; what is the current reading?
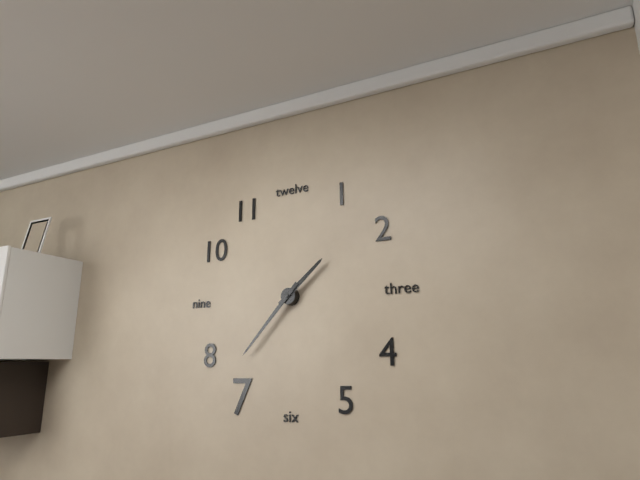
1:37
